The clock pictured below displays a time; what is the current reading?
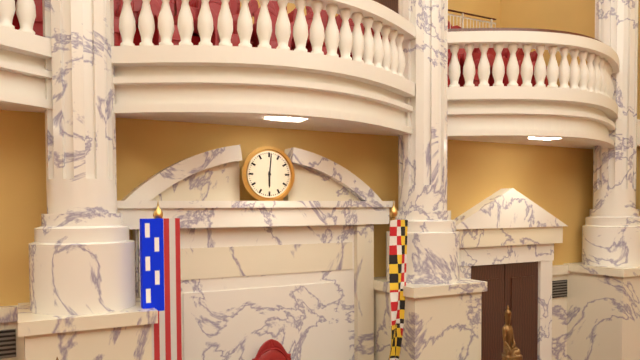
6:01
